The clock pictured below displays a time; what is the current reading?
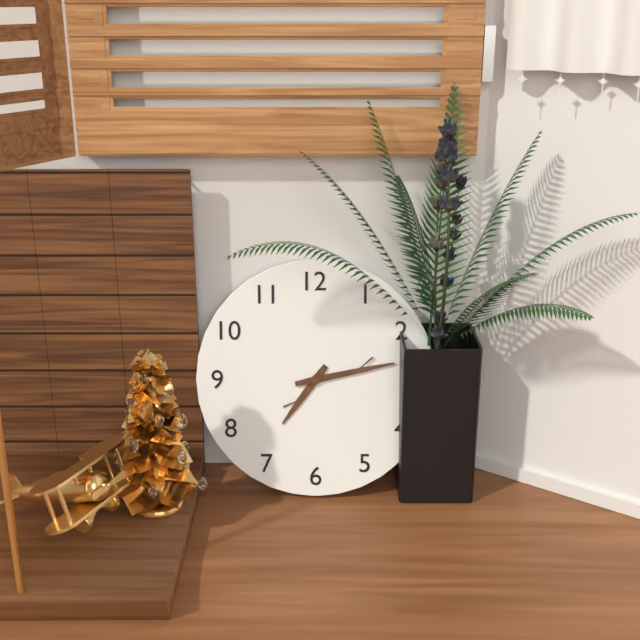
7:13
